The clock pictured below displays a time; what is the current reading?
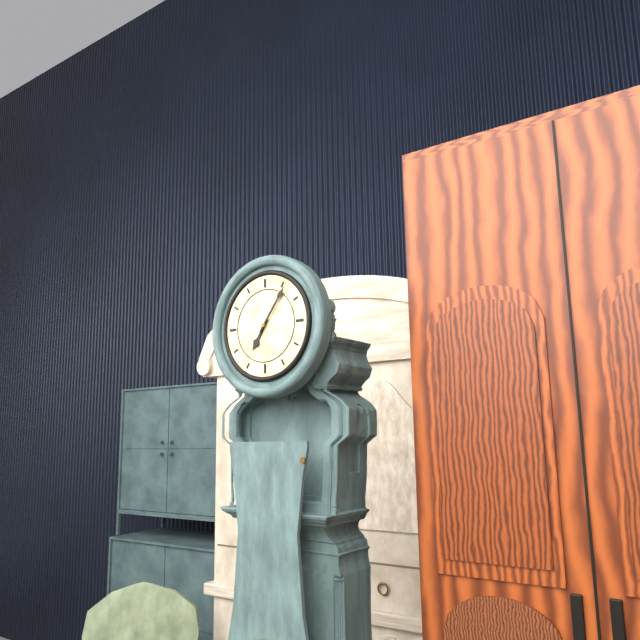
7:06
